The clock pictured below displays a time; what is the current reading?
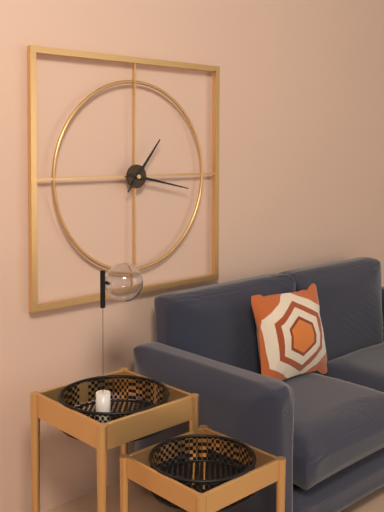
1:17
